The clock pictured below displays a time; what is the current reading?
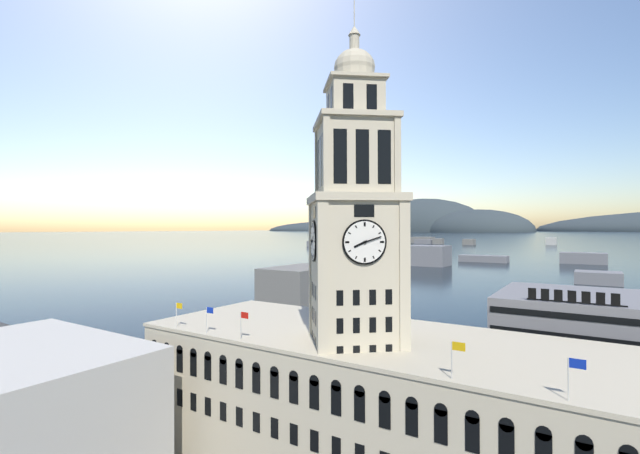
8:12
